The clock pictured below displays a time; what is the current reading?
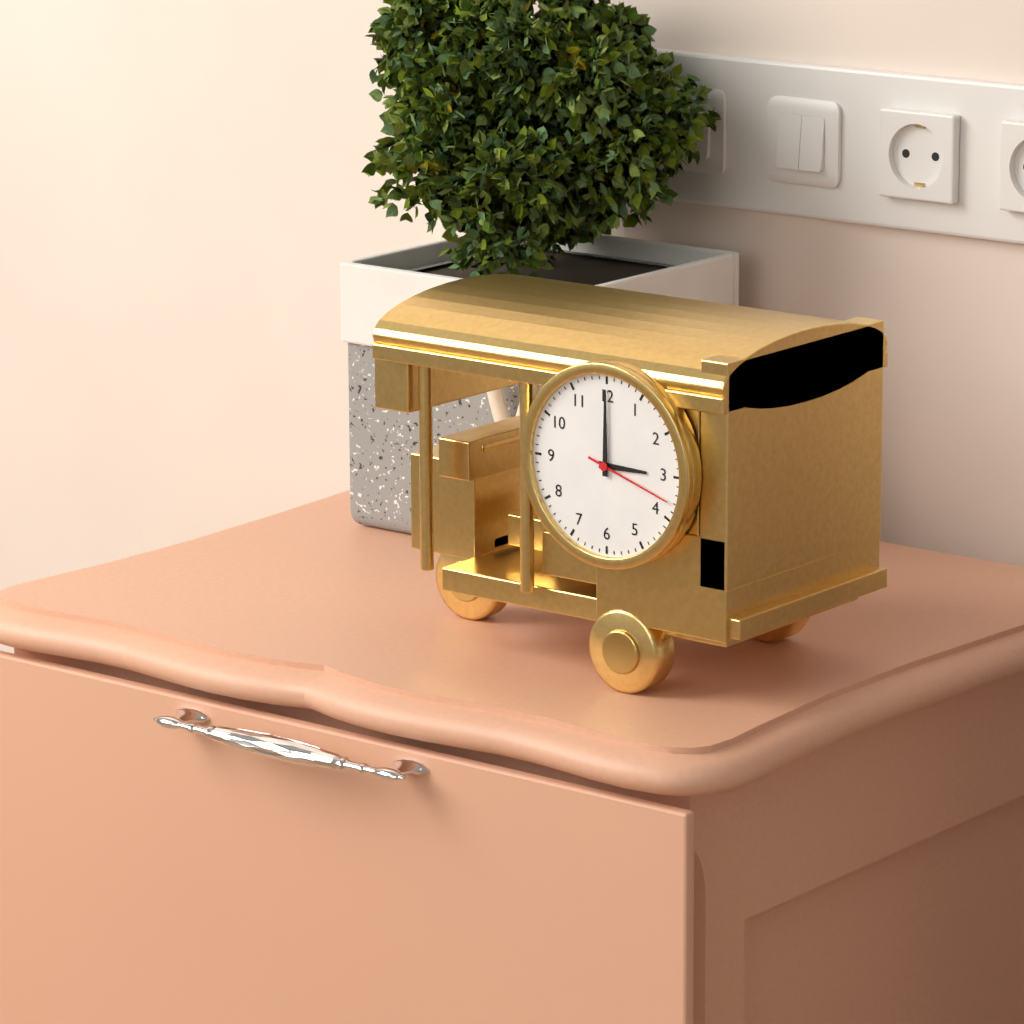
3:00:18
